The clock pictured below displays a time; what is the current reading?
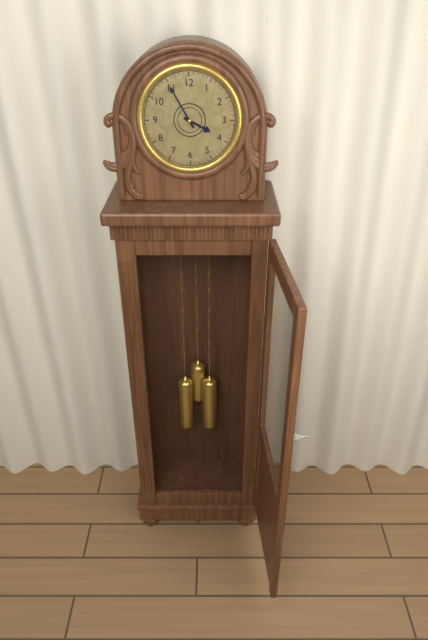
3:55
